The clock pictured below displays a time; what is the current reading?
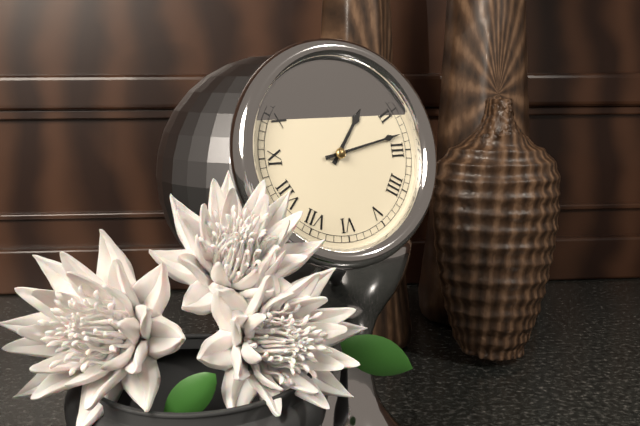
1:13
